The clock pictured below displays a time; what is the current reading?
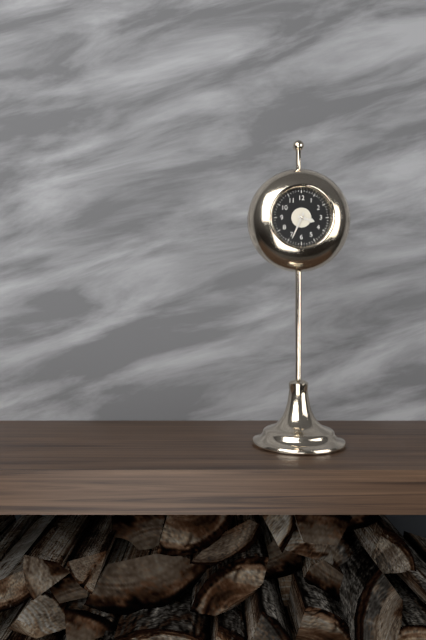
3:34
